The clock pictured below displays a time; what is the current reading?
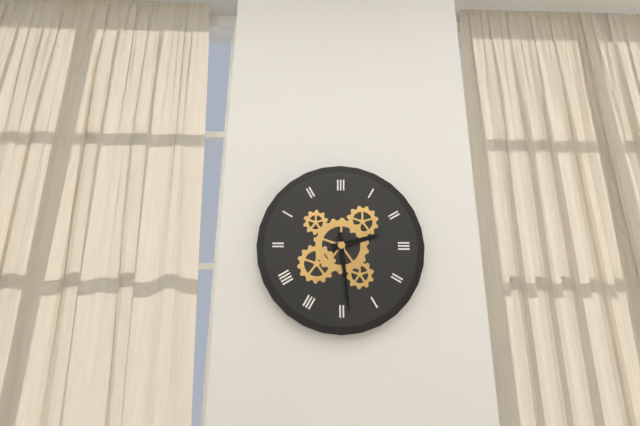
2:29
